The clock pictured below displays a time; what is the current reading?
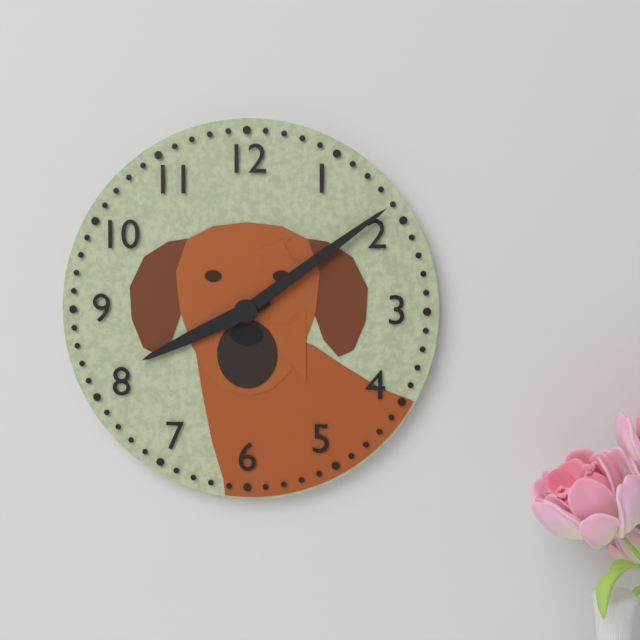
8:09
